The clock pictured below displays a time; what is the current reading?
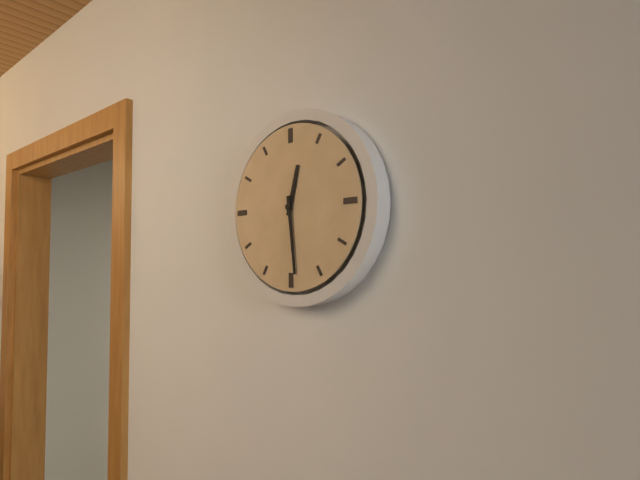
12:29
